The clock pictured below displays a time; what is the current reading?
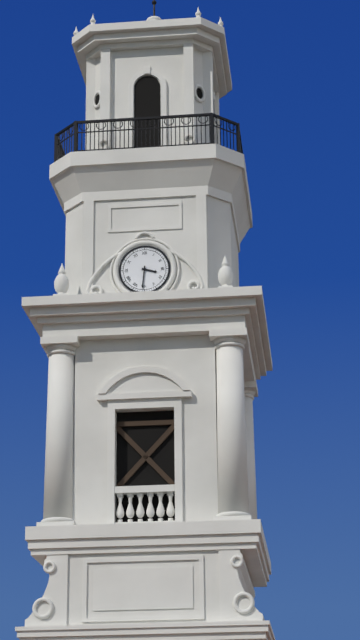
3:31
